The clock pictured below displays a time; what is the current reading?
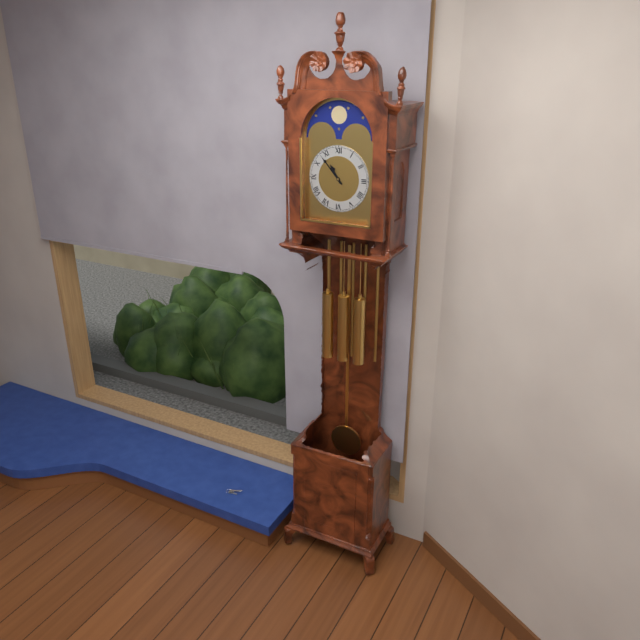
10:53
